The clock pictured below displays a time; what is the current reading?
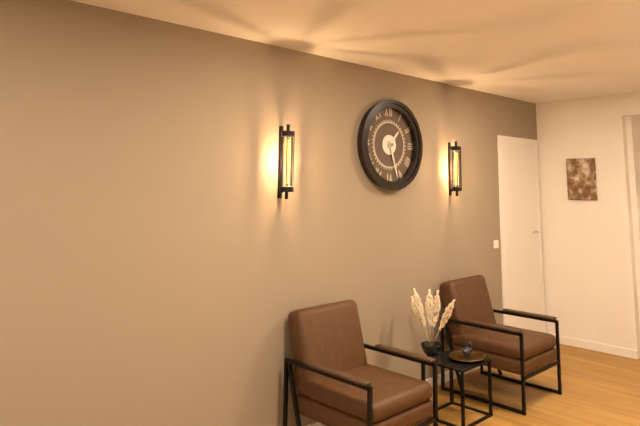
1:27
